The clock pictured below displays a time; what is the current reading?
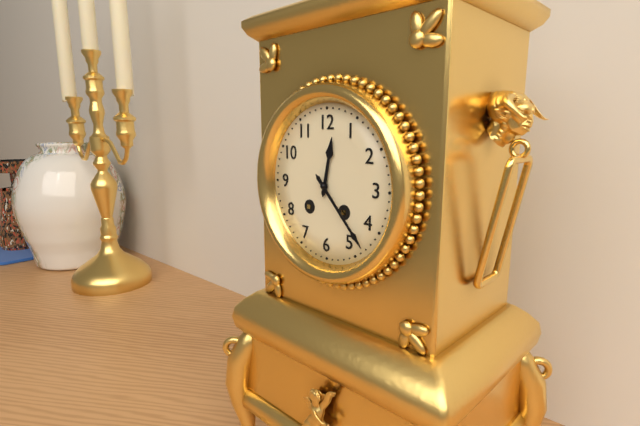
12:23
